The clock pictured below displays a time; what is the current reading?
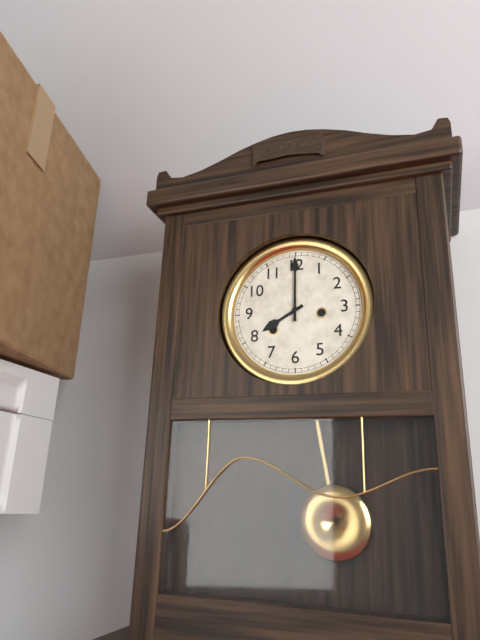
8:00
